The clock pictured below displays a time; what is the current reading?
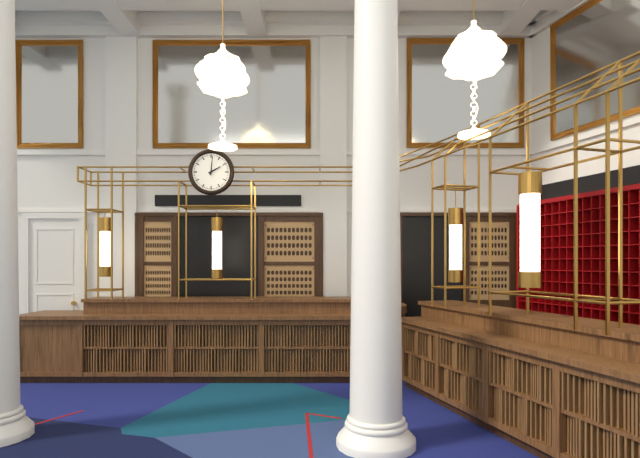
2:01
